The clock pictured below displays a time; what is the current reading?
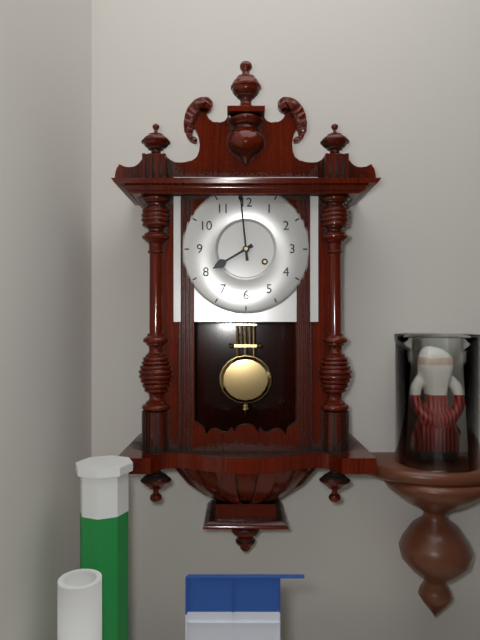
7:59
